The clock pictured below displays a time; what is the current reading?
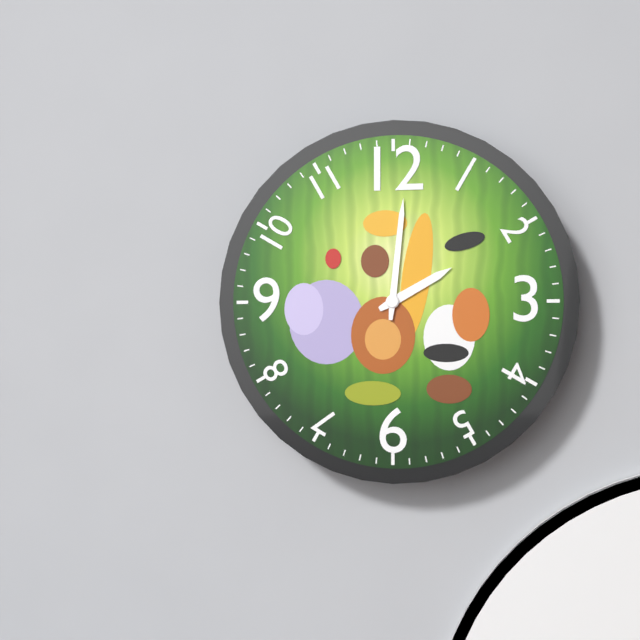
2:01
